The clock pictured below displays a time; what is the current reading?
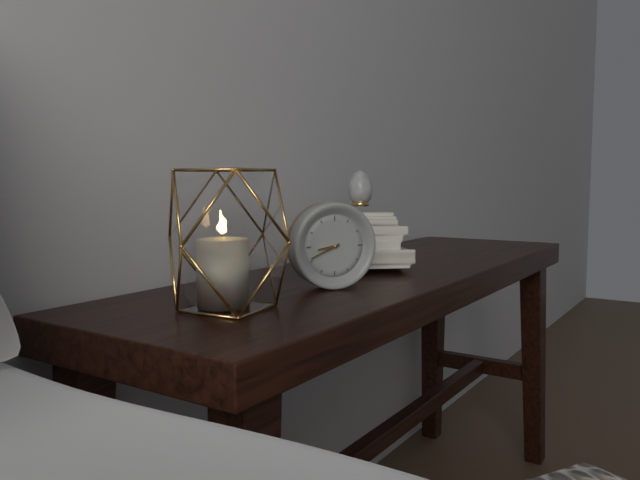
8:41
